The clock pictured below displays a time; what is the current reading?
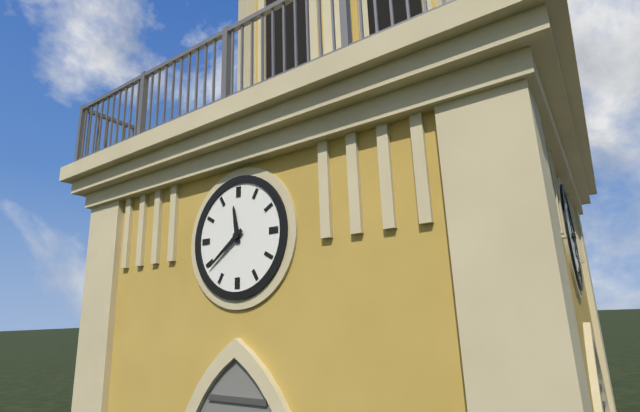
11:39
